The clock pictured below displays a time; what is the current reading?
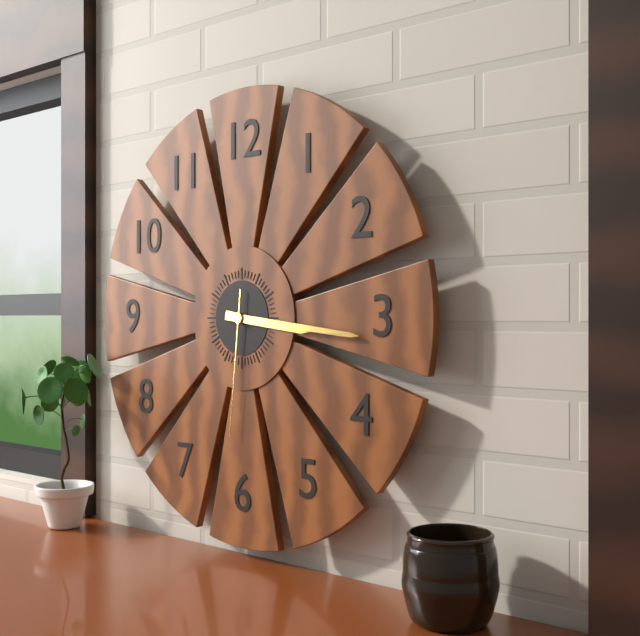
3:16:31
